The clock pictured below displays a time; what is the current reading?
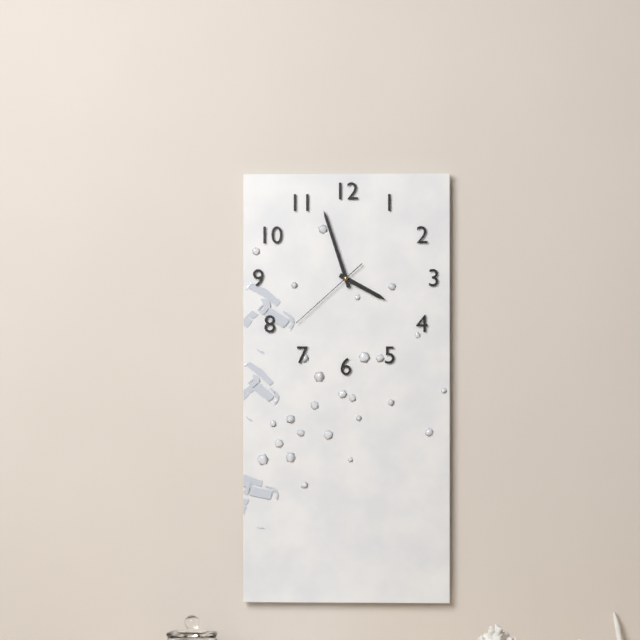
3:57:38
